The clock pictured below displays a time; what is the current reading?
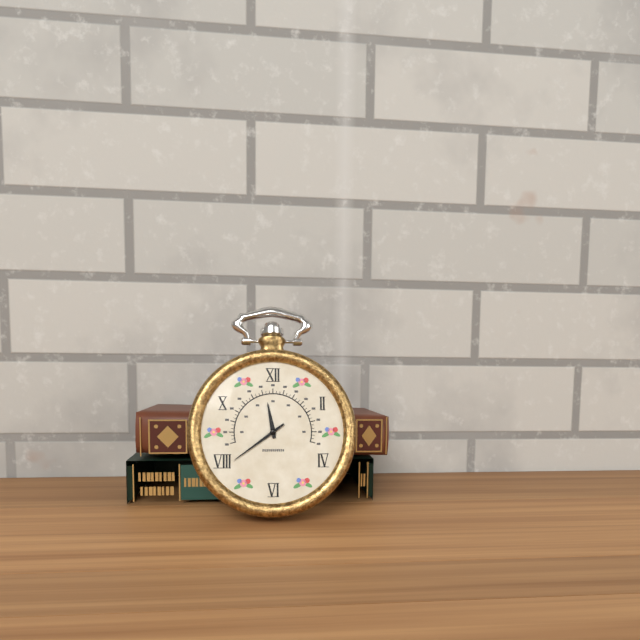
11:39
